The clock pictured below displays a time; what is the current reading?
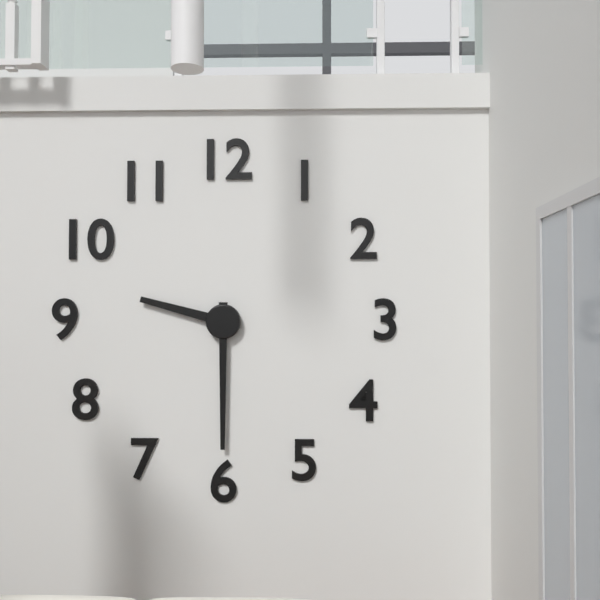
9:30
